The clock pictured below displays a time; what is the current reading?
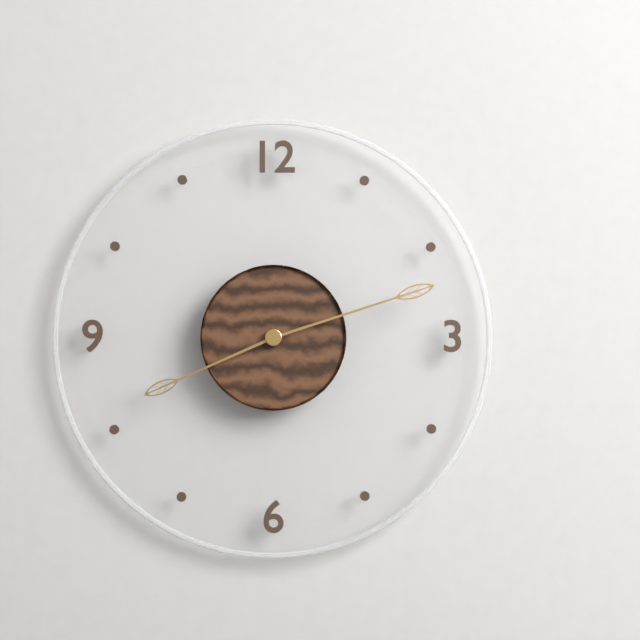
8:12
